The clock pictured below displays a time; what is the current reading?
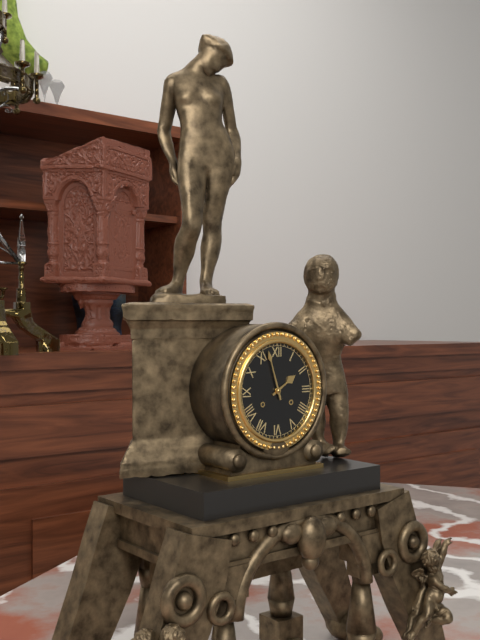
1:57
